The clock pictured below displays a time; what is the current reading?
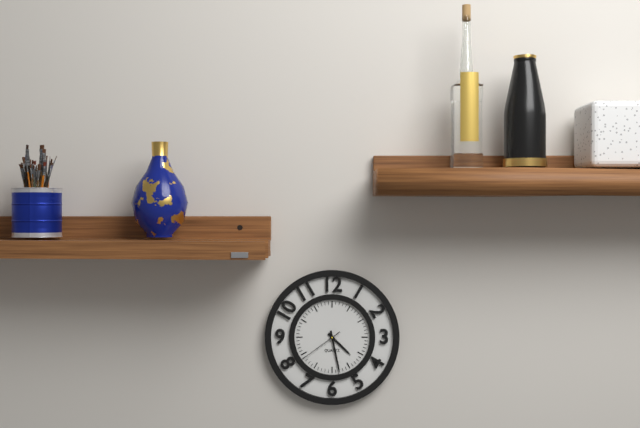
4:28
